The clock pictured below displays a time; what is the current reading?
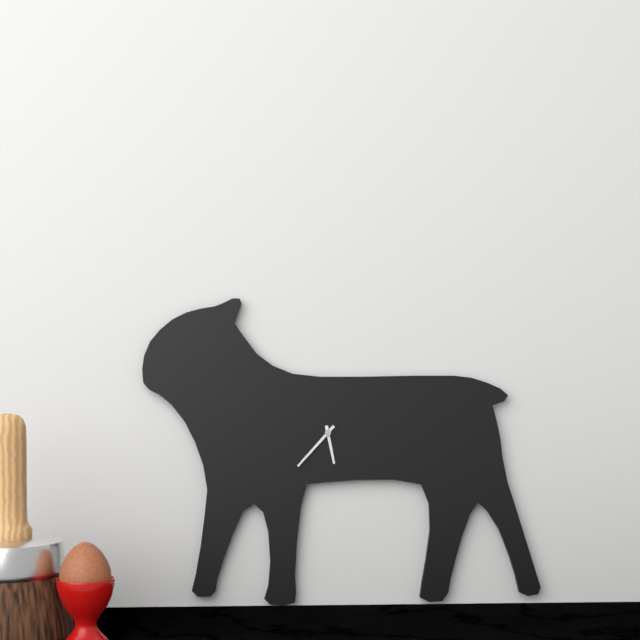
5:37
